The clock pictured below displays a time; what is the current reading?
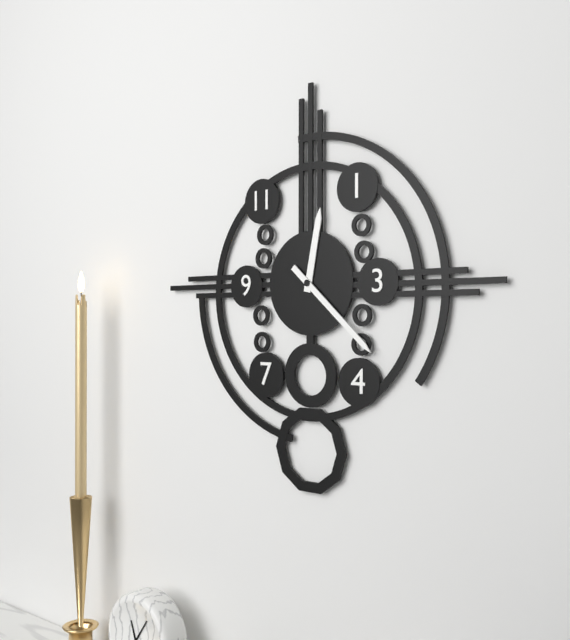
12:22
